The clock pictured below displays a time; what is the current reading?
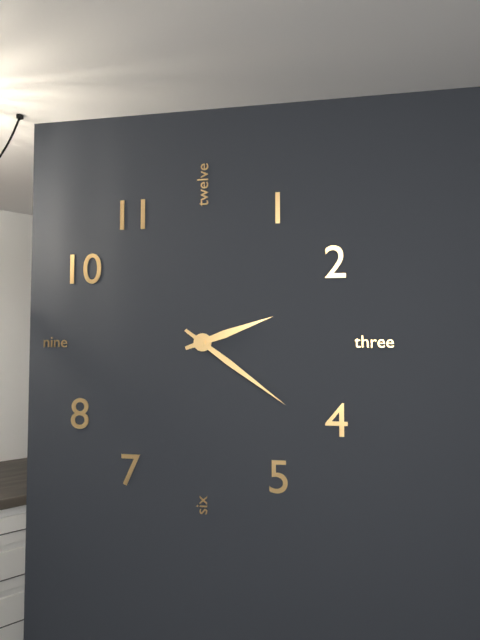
2:21
